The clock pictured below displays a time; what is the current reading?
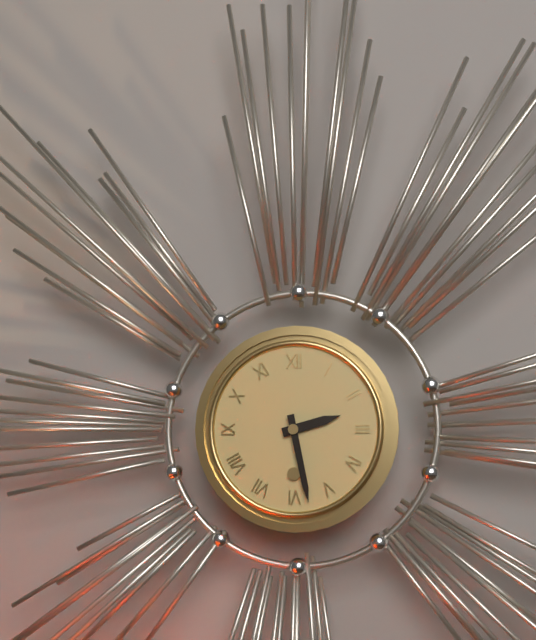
2:28
